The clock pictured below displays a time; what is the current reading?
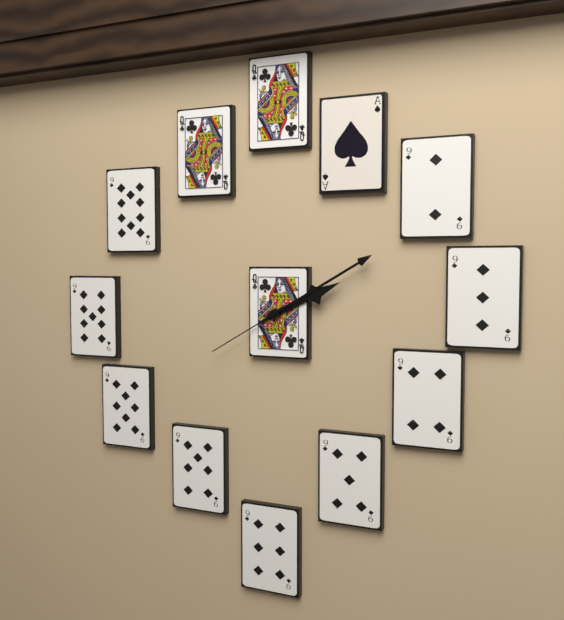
2:10:40
